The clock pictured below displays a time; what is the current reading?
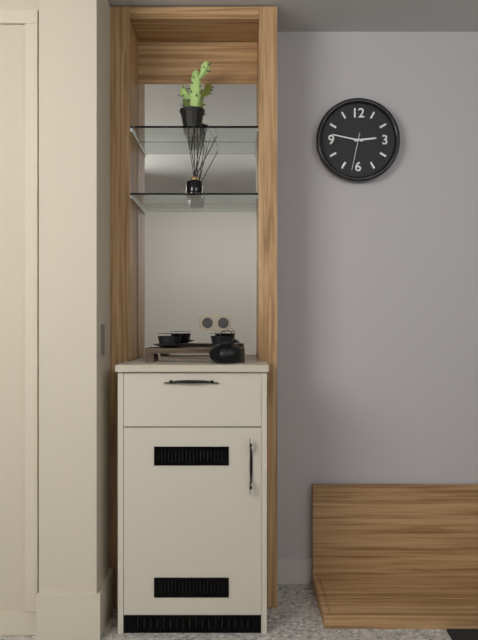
2:47
